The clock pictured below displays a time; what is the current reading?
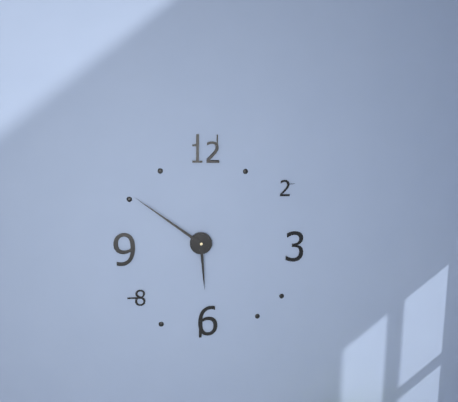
5:51
